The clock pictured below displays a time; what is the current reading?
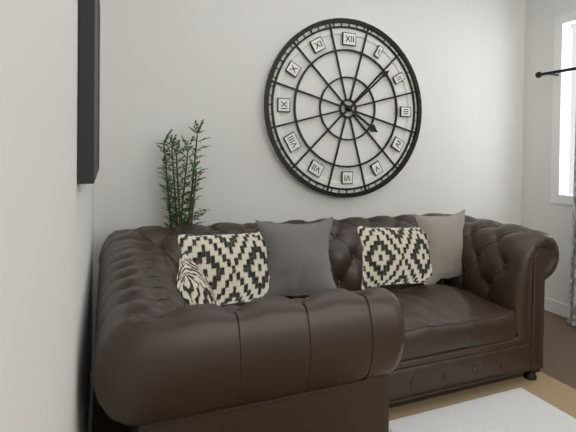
4:08
